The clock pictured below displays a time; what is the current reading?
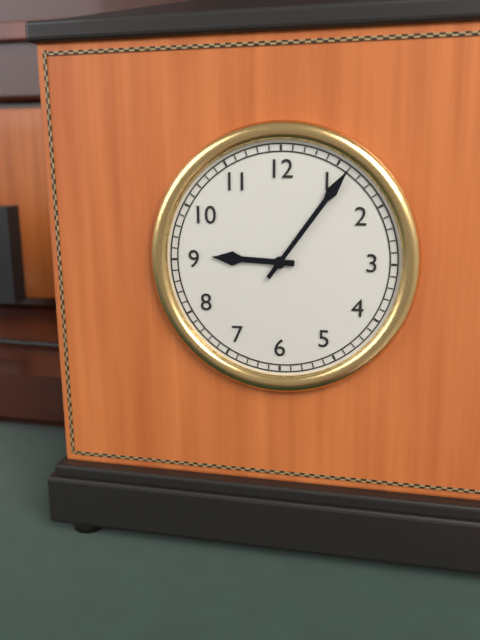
9:06
